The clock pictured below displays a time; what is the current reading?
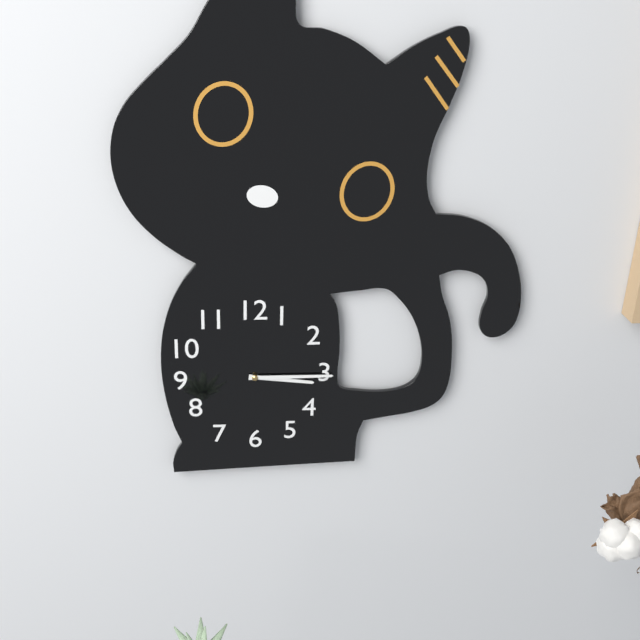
3:15
